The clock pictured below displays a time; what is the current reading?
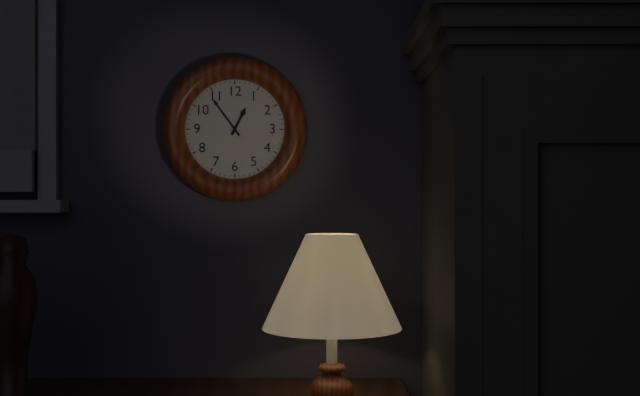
12:54
